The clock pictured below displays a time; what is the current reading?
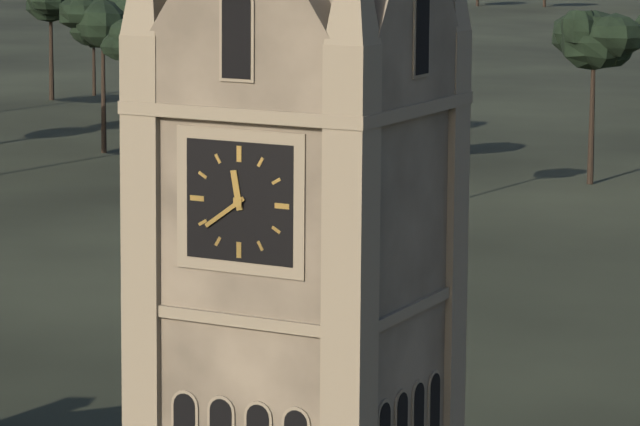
11:39
